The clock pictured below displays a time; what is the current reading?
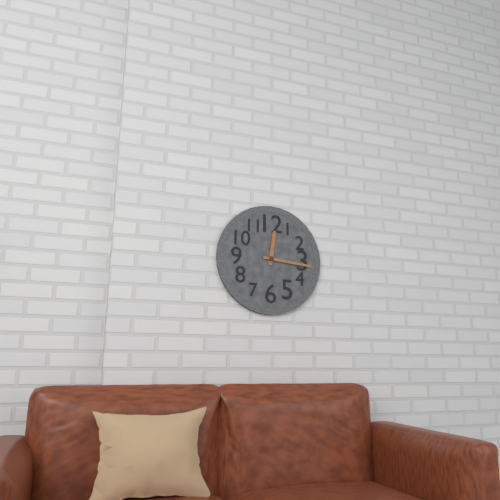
12:16
